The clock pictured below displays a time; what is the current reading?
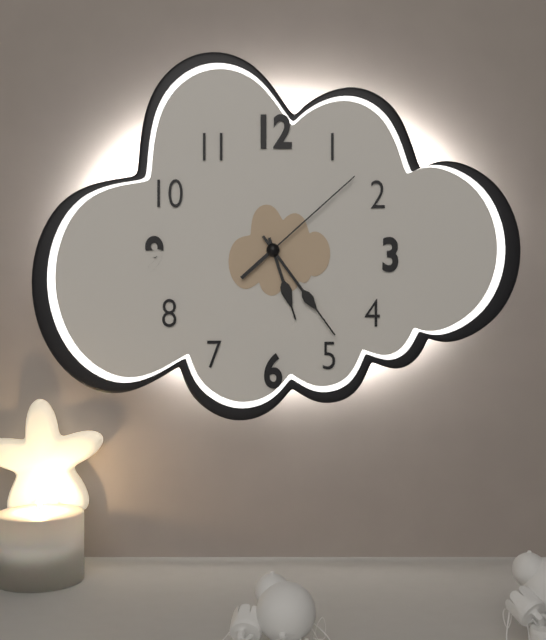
5:24:08
